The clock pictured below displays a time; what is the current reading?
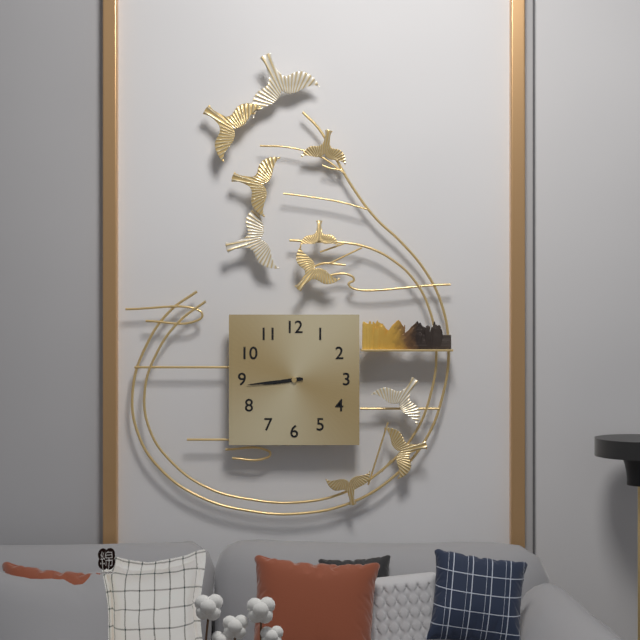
8:44
